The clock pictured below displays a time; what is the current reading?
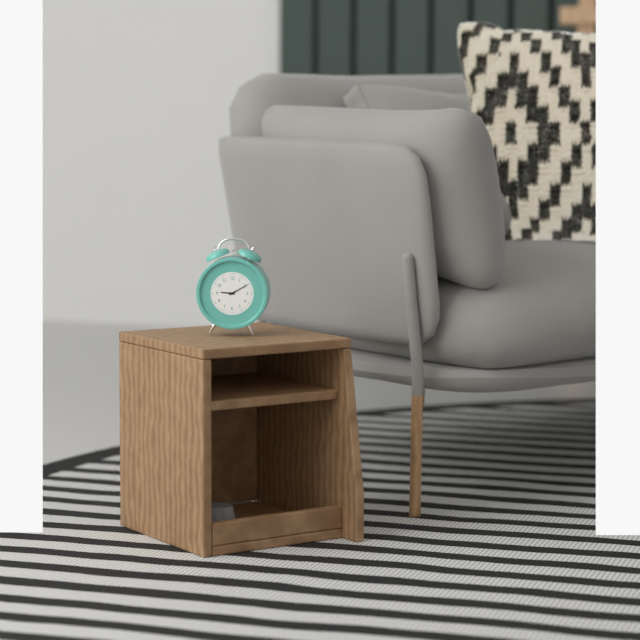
9:10
